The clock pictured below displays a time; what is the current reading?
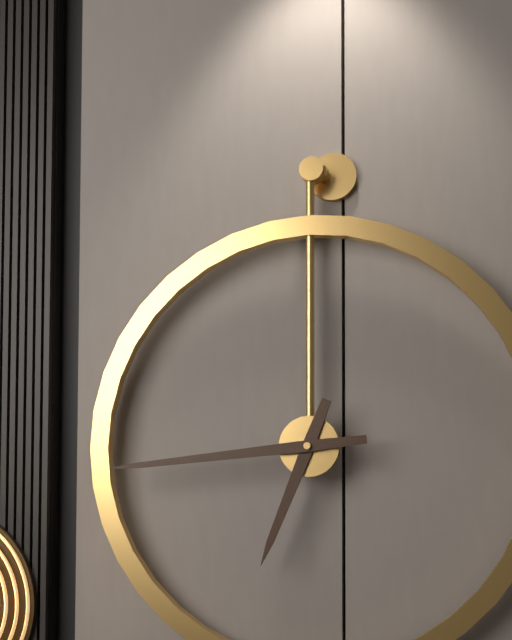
6:44
